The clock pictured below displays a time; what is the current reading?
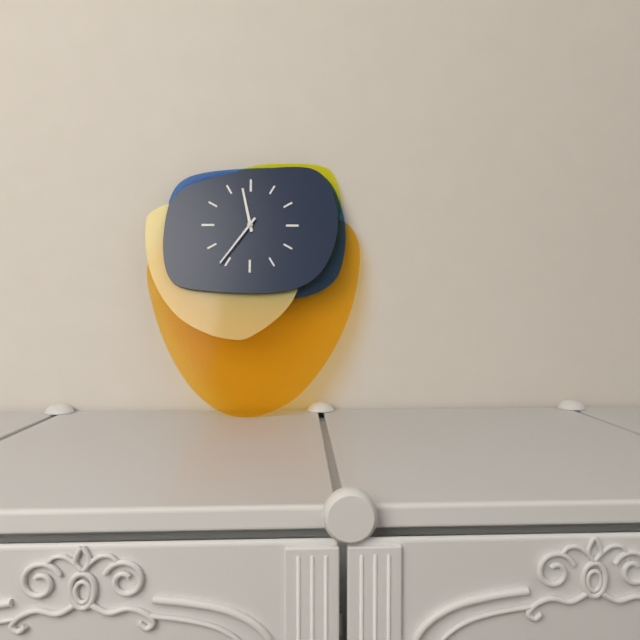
11:36
